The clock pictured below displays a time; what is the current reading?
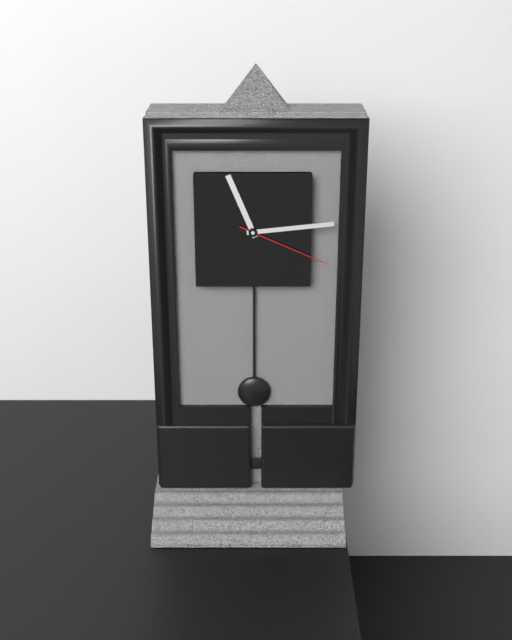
11:14:19
